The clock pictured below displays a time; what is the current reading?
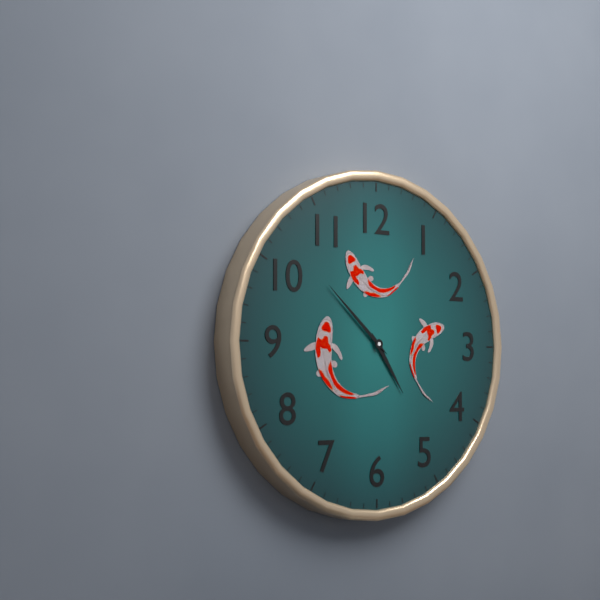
4:52
